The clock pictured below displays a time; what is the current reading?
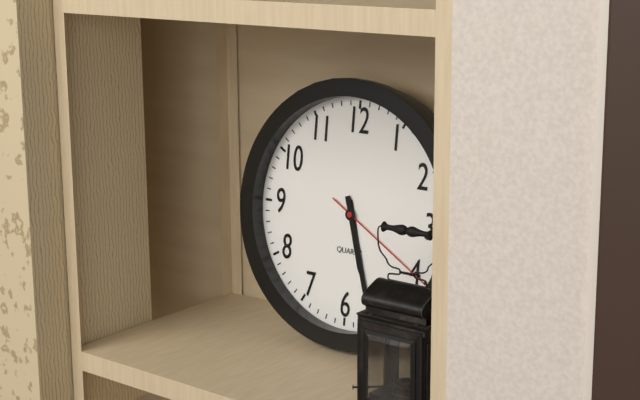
5:27:20
